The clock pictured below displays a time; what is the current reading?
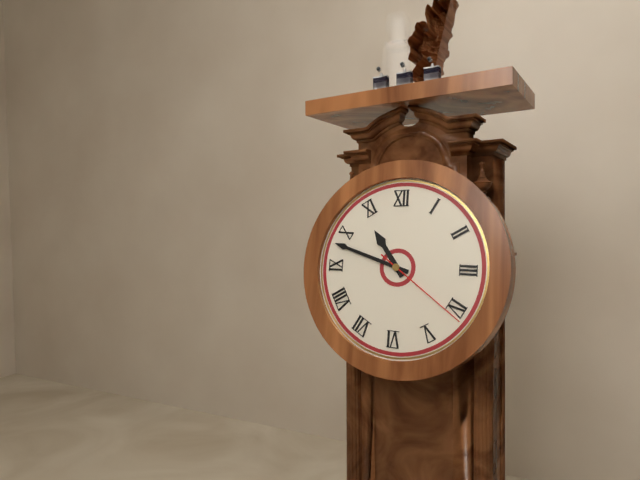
10:48:21
